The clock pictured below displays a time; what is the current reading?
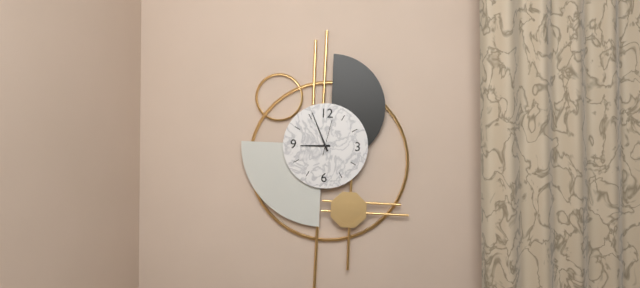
8:56
